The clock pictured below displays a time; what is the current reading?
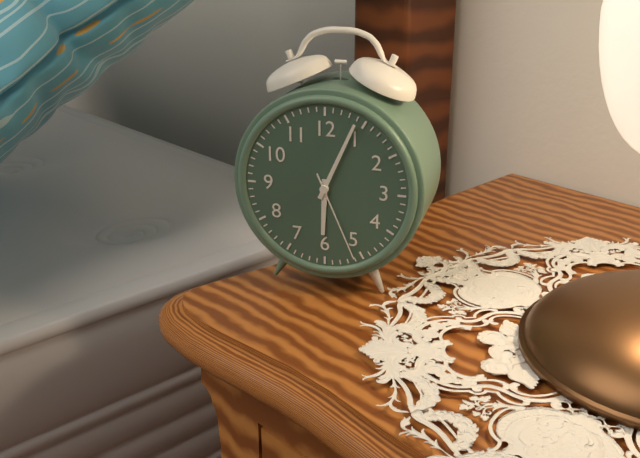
6:04:26
